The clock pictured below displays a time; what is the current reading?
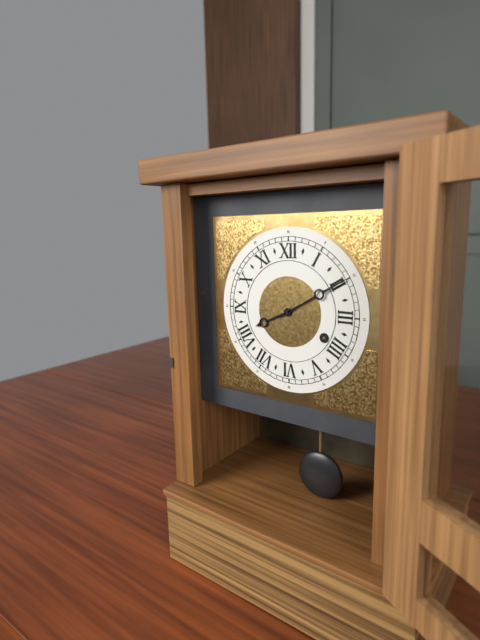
8:10
